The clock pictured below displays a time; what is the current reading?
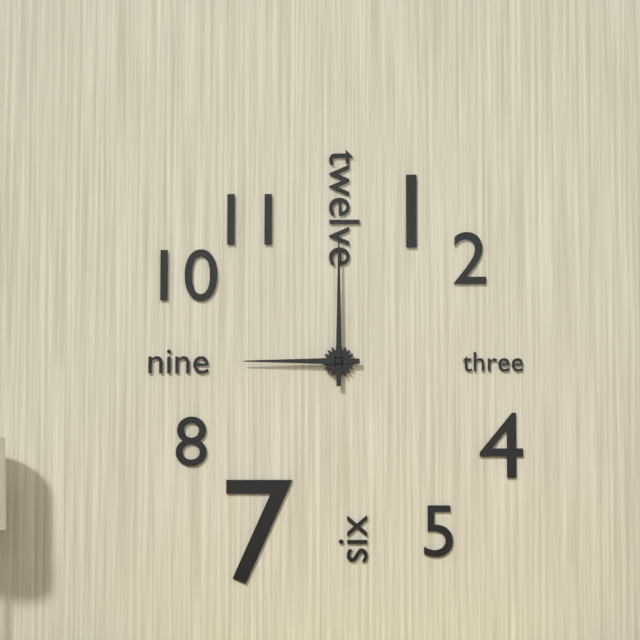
9:00
